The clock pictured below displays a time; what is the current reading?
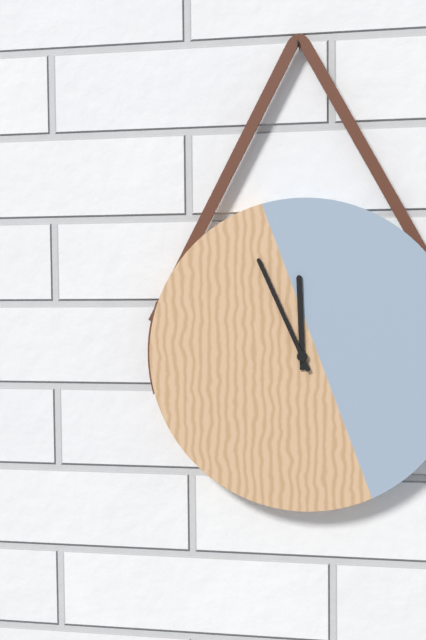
11:56
